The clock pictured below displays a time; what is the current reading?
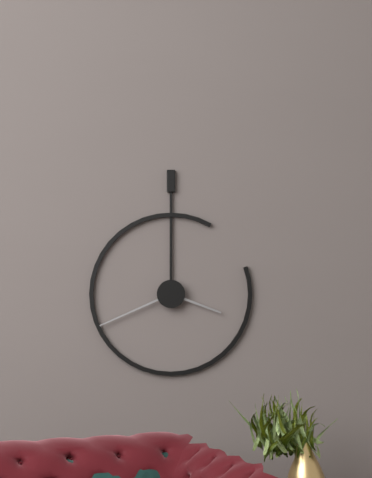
3:41
